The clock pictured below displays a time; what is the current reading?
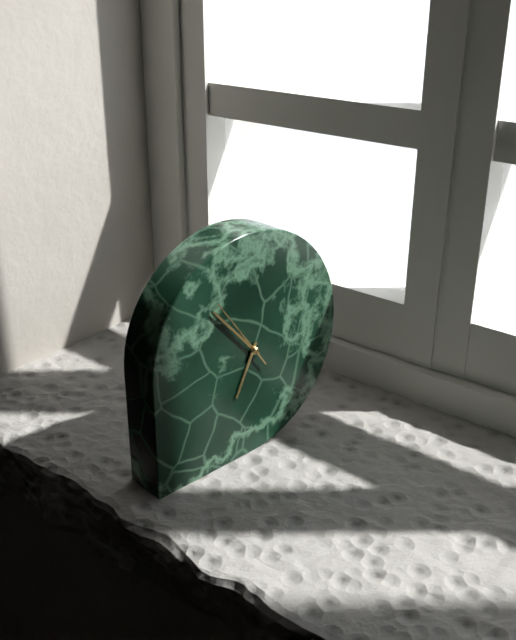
6:53:54
